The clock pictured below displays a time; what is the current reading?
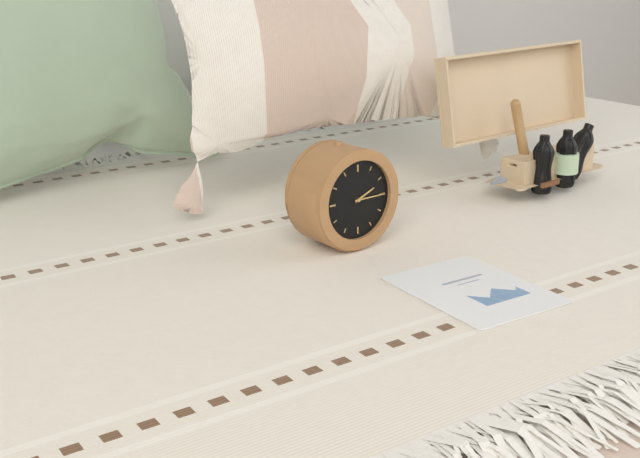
2:15
